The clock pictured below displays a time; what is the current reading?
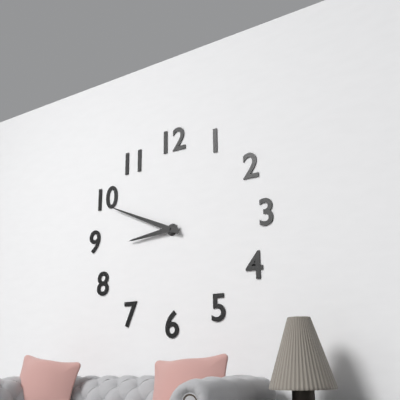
8:49
